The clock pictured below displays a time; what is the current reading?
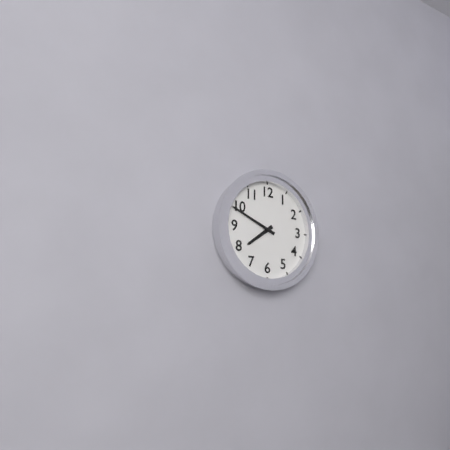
7:49
